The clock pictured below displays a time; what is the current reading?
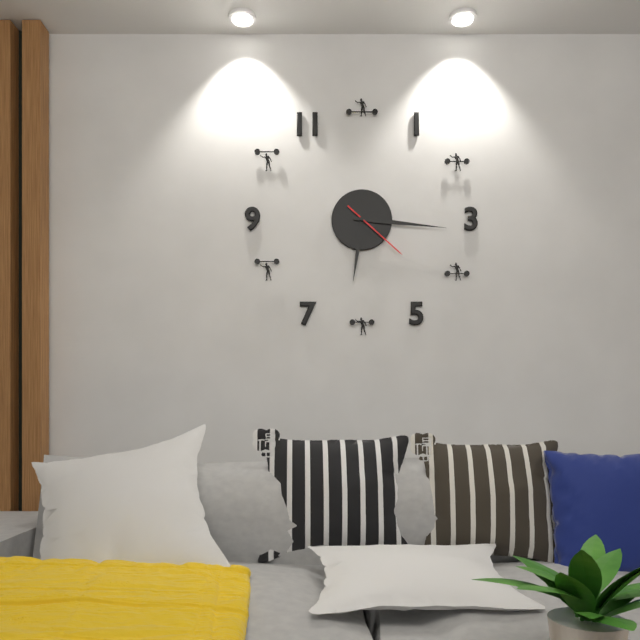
6:16:22
